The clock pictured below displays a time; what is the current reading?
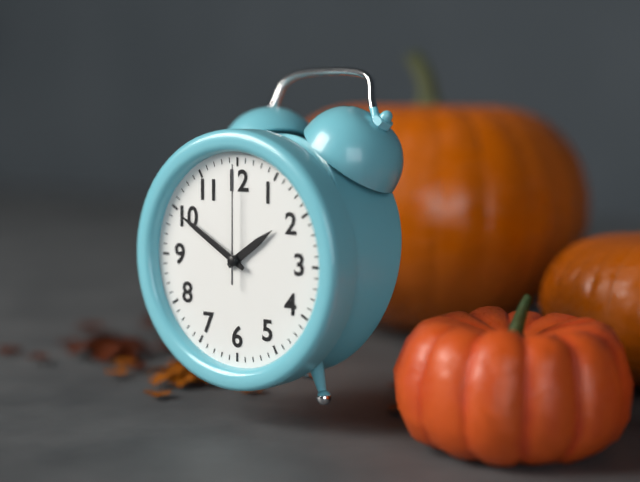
1:50:00
